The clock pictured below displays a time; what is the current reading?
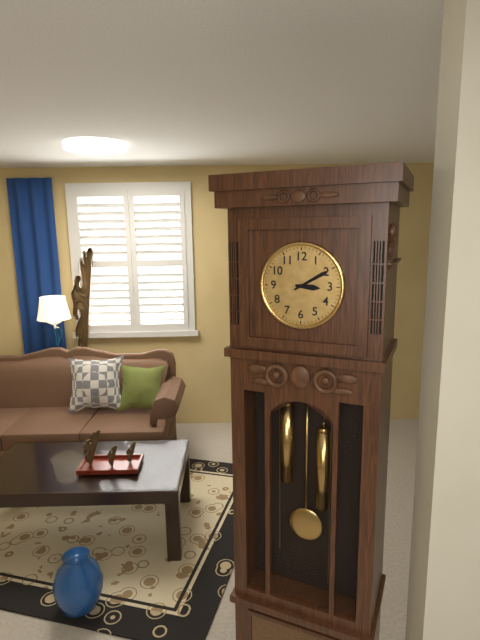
3:10
